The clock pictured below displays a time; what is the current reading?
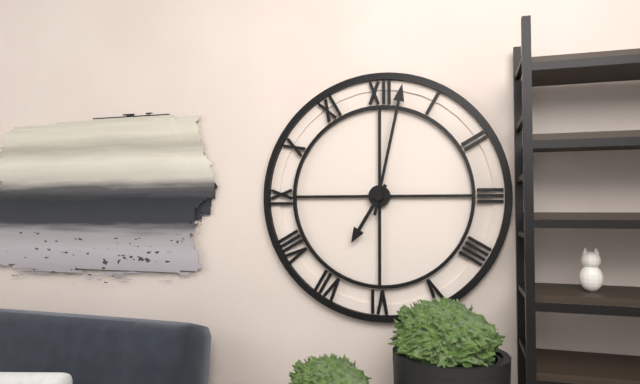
7:02
